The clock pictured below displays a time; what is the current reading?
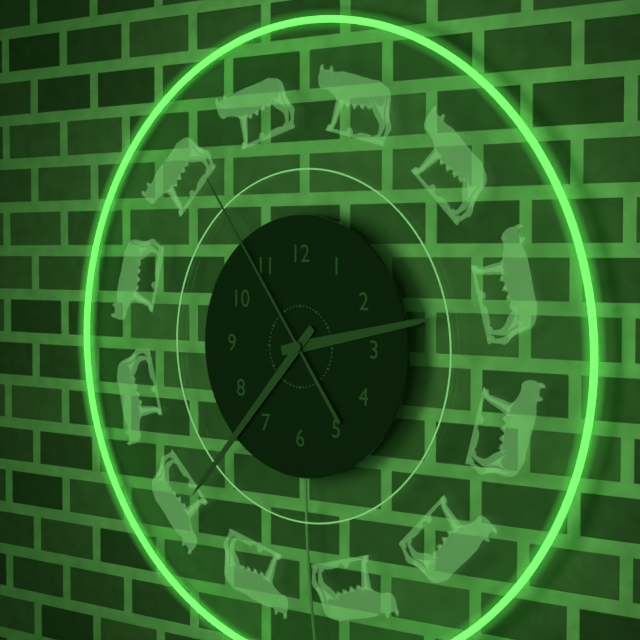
2:37:54
